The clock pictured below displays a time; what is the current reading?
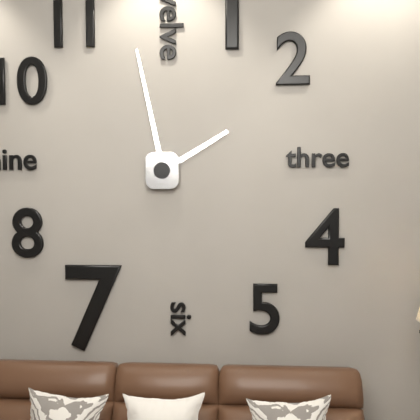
1:58
